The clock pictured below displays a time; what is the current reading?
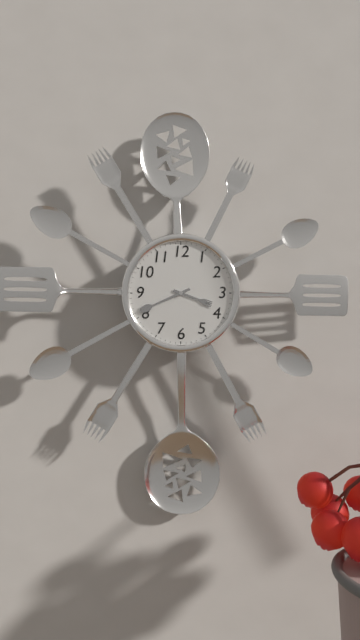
3:41
